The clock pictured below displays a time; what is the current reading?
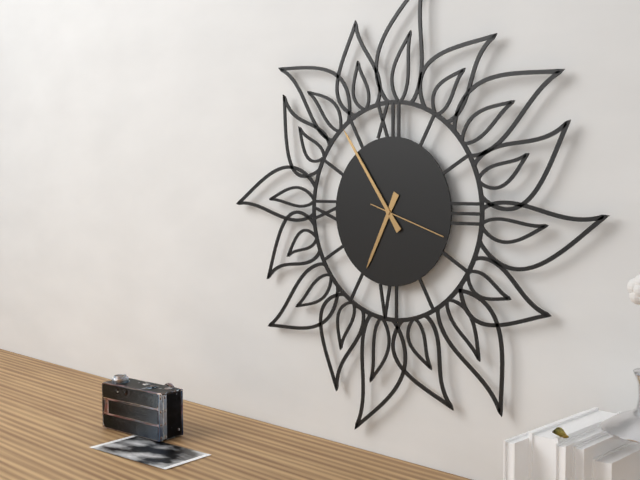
6:54:18
